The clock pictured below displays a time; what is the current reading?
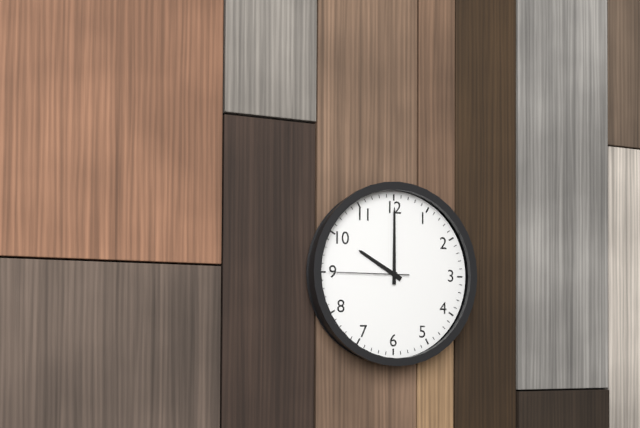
10:00:45
